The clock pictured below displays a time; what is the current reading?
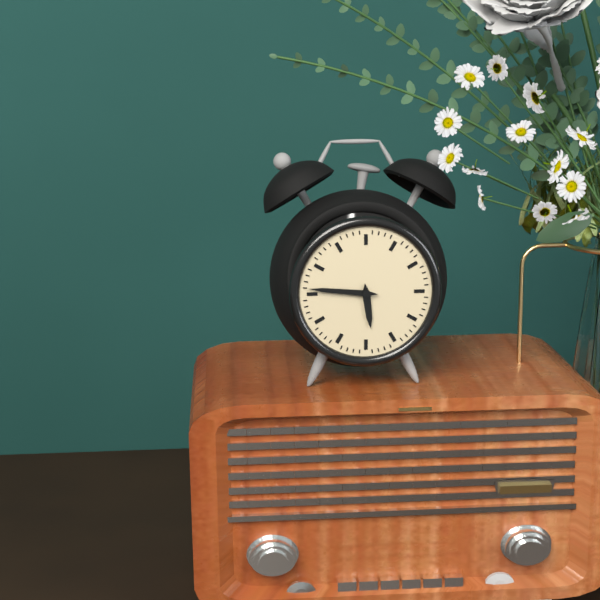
5:46
